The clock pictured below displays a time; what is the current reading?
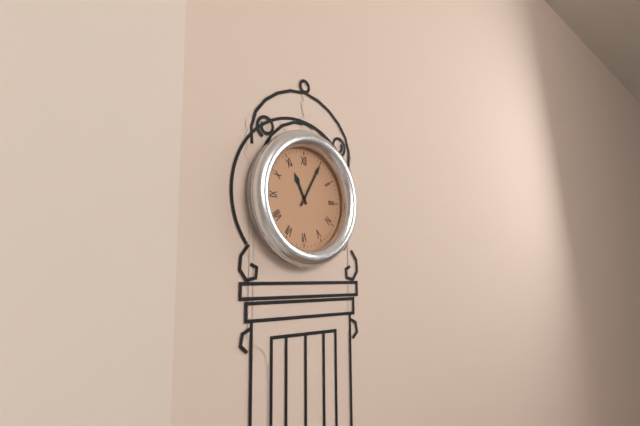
11:05
